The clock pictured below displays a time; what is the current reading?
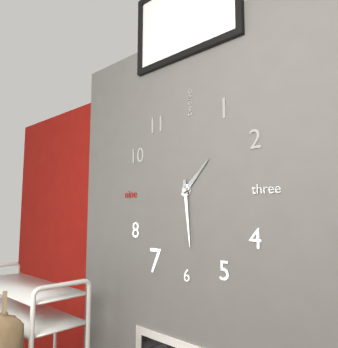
1:29
